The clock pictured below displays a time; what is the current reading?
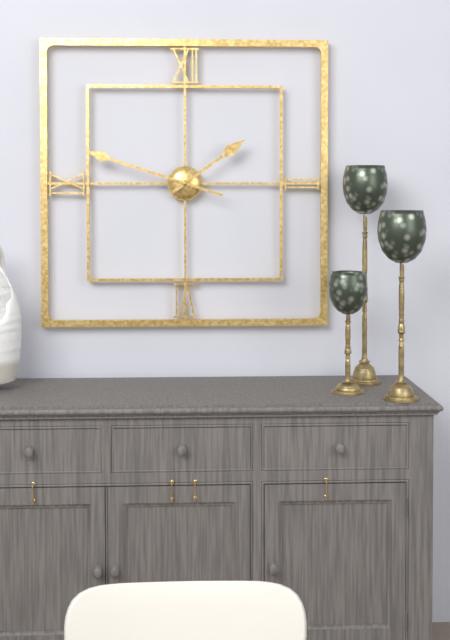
1:48
